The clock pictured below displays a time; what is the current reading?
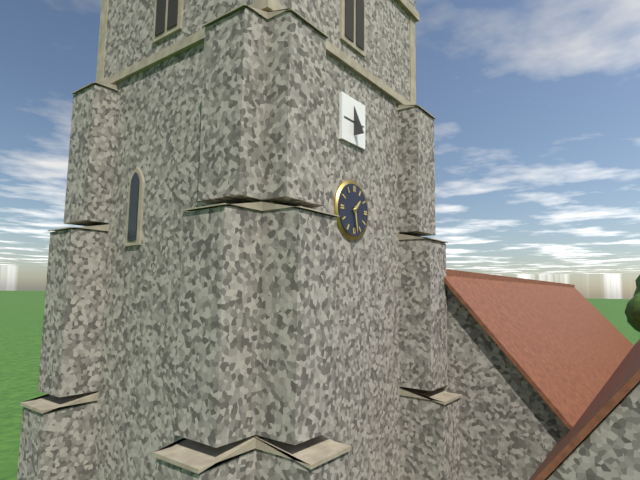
1:28
